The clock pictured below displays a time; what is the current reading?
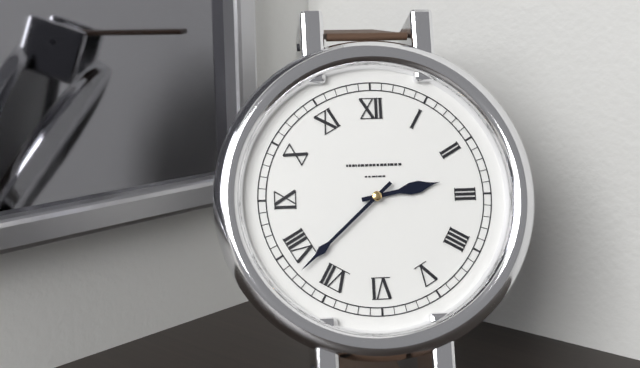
2:38
